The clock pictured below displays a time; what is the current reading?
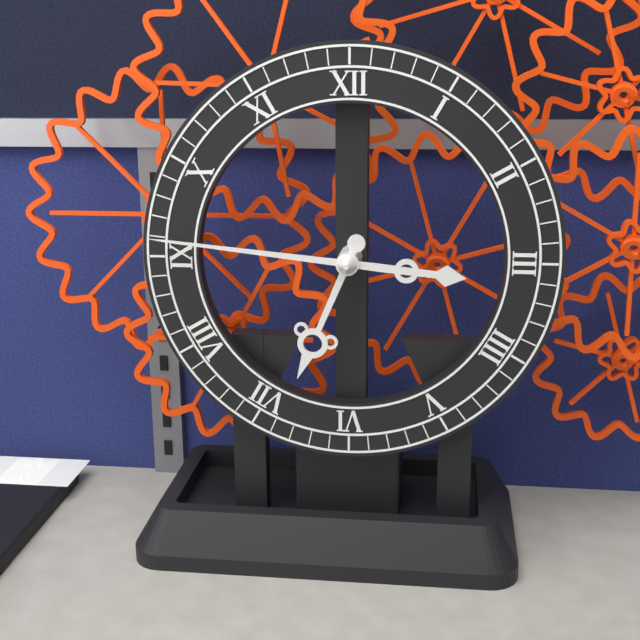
6:46
